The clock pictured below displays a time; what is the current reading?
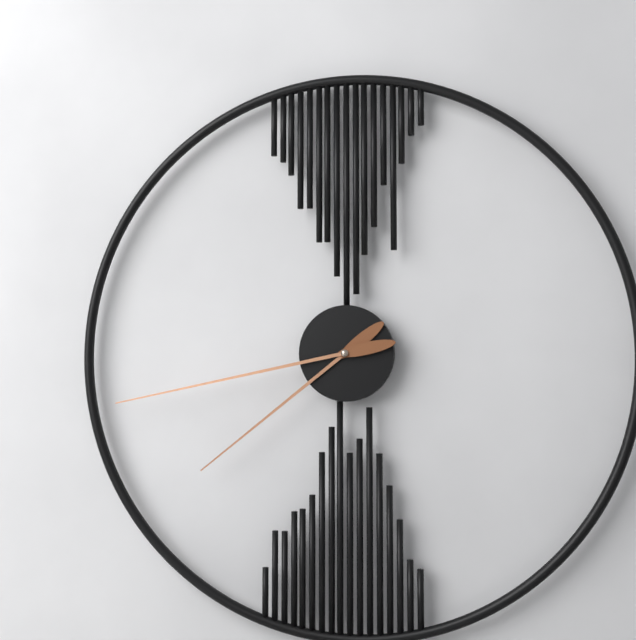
7:43
